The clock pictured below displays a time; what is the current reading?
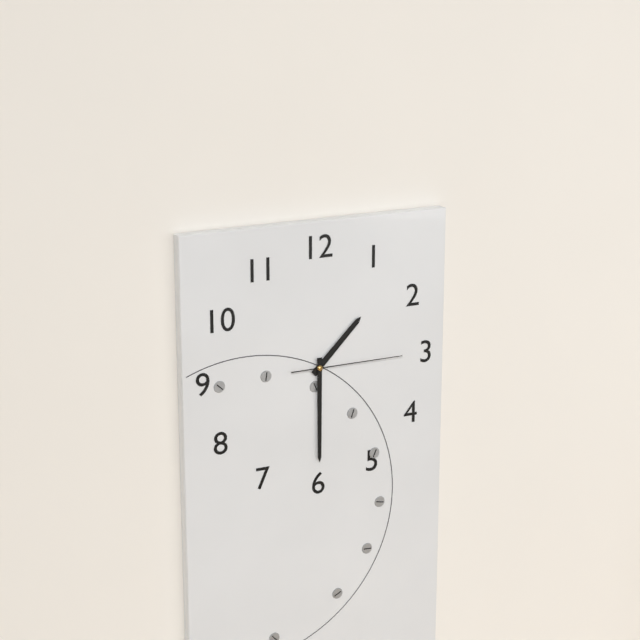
1:30:15
